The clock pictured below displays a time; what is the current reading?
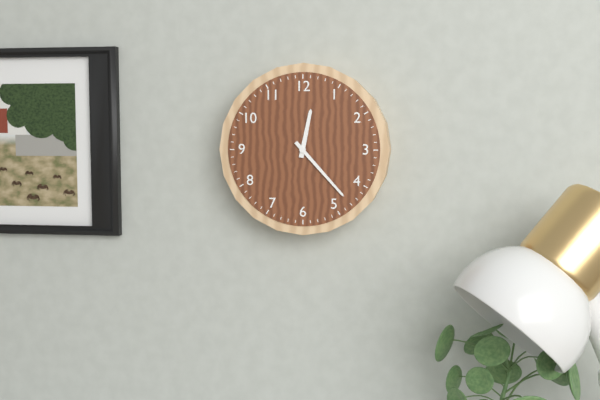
12:23
